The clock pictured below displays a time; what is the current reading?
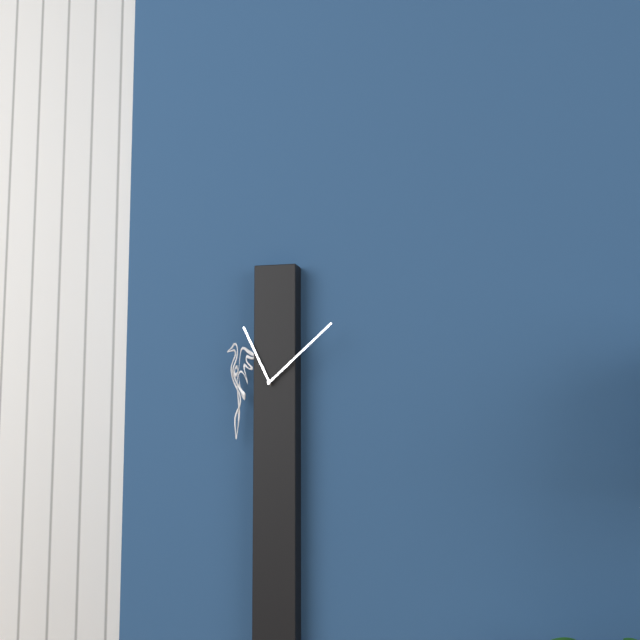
11:08
